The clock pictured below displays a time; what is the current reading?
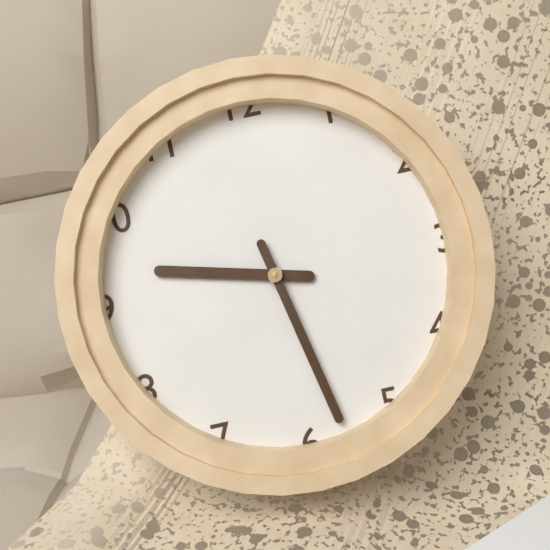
9:28
